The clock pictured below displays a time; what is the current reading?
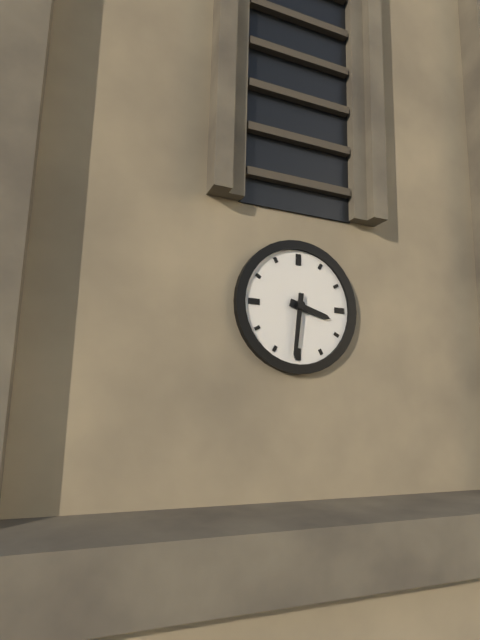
3:31
